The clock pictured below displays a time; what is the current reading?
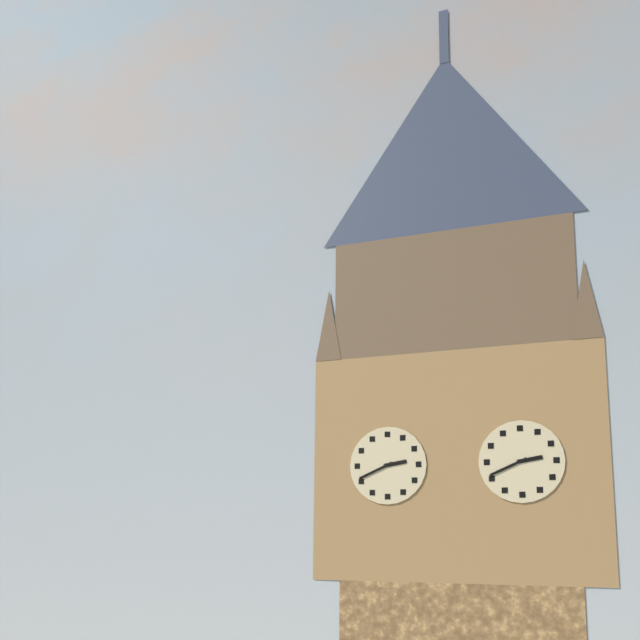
2:41
